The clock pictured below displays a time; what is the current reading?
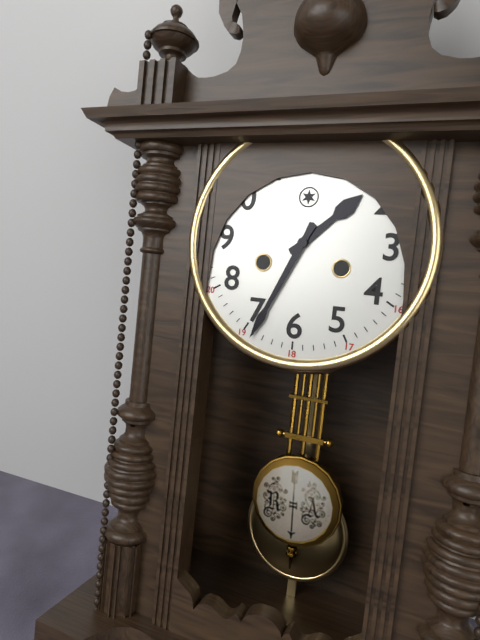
1:34
